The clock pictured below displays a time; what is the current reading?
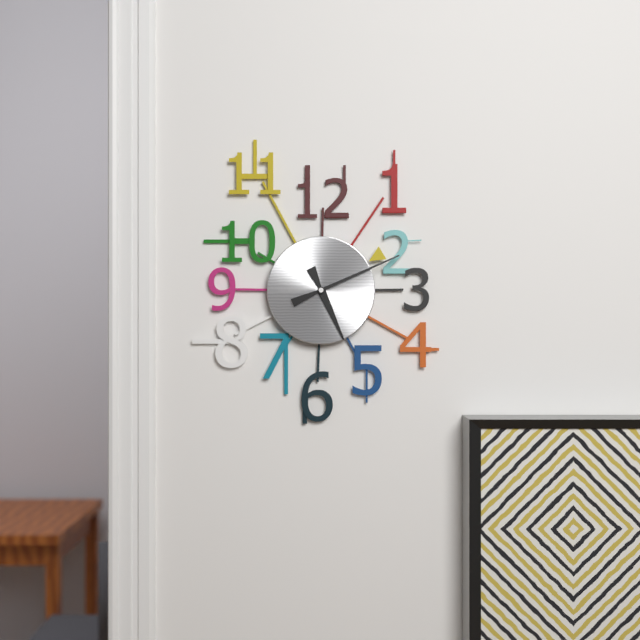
5:11
